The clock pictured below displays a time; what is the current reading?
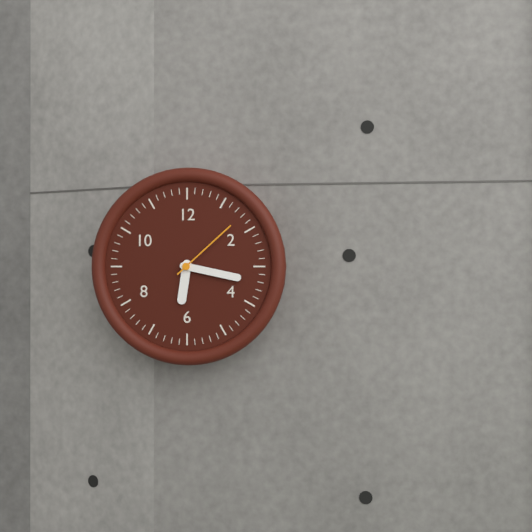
6:17:08
